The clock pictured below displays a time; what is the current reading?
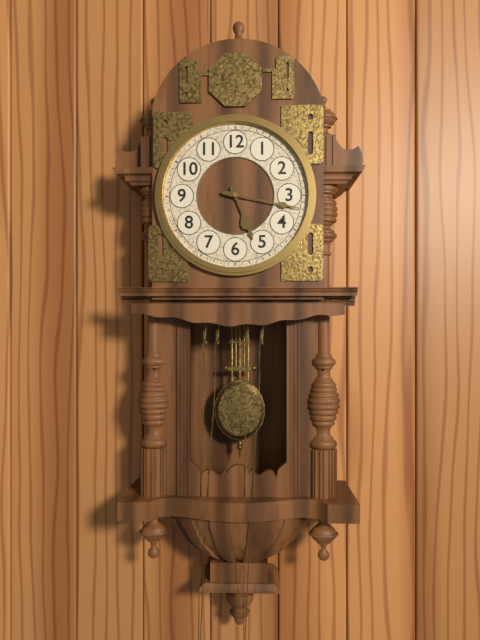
5:17
